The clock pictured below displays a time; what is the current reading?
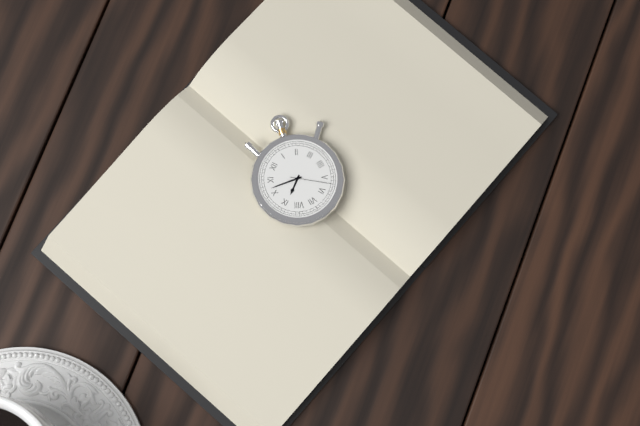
8:52
